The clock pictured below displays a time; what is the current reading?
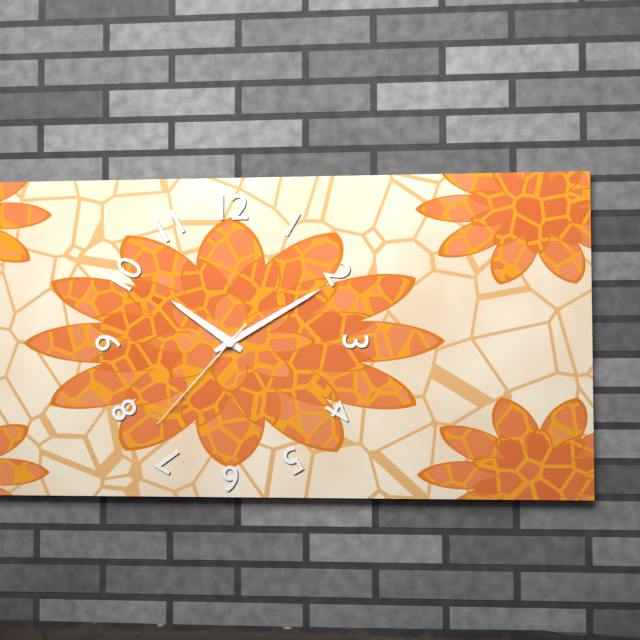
10:10:37
